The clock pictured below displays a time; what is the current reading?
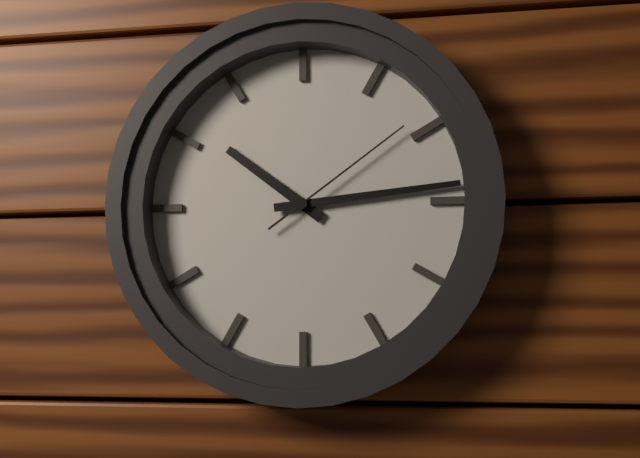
10:14:09
